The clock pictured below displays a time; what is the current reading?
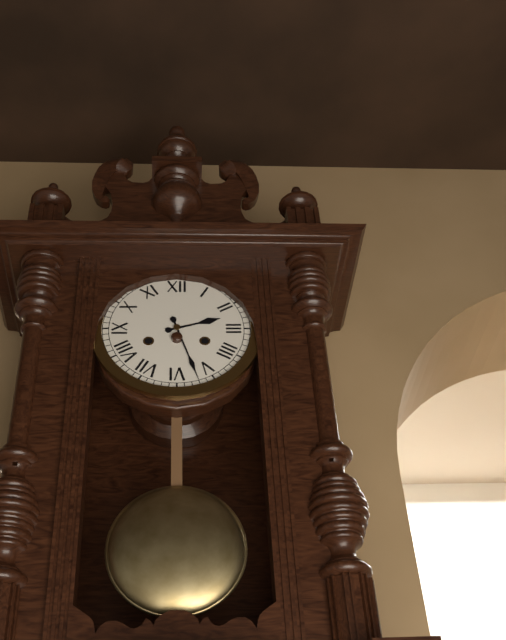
2:27
